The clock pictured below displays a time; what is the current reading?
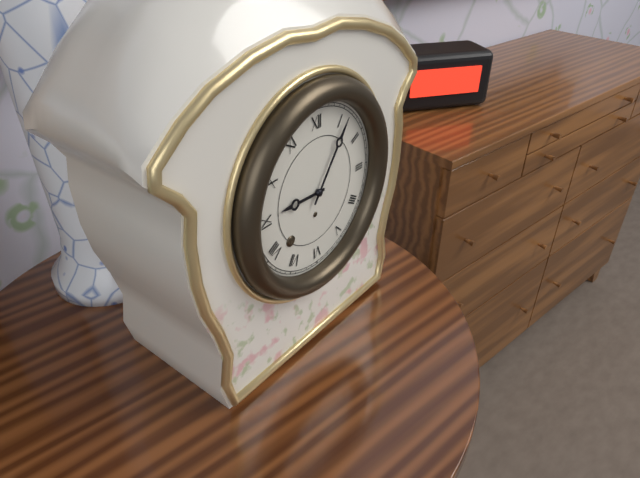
9:06
